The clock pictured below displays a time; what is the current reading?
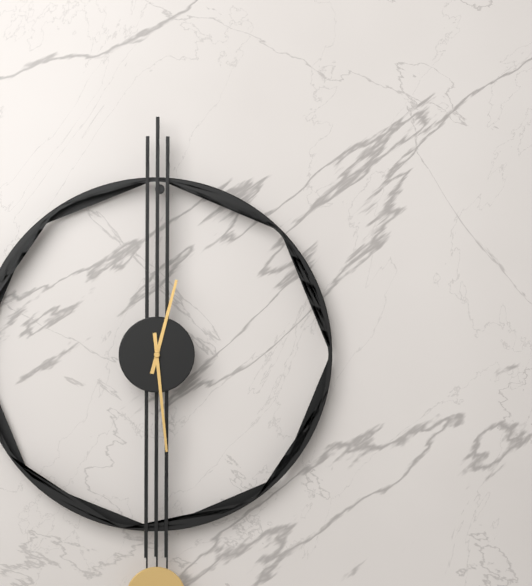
12:29
